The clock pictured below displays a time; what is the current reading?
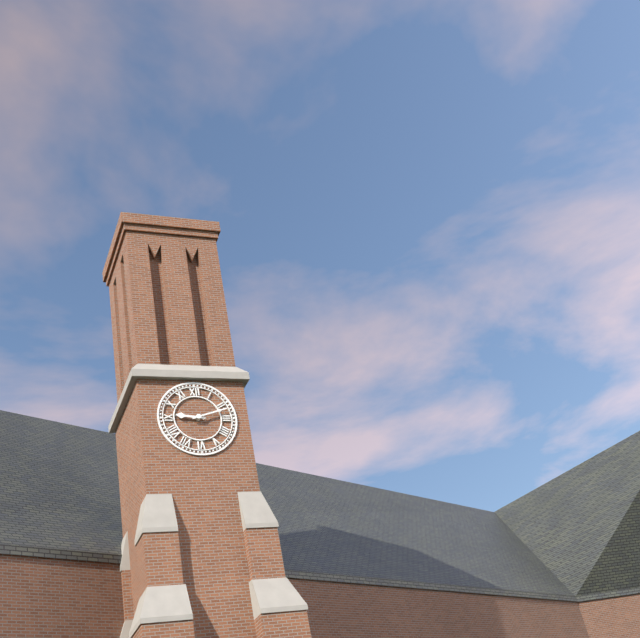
9:12
